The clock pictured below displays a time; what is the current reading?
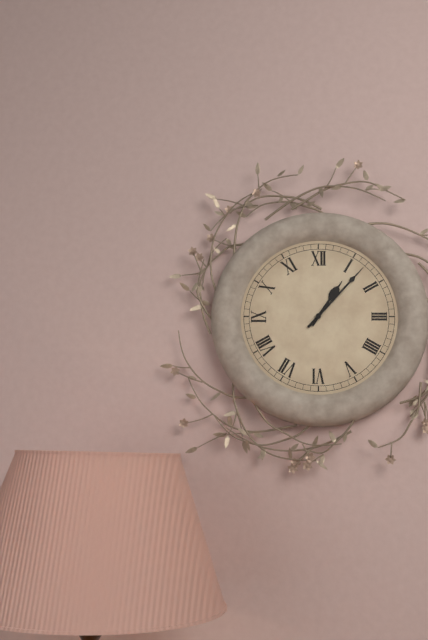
1:07
